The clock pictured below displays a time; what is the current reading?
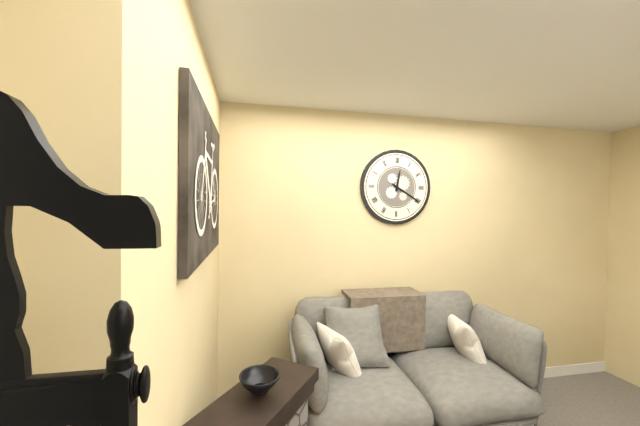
12:20
